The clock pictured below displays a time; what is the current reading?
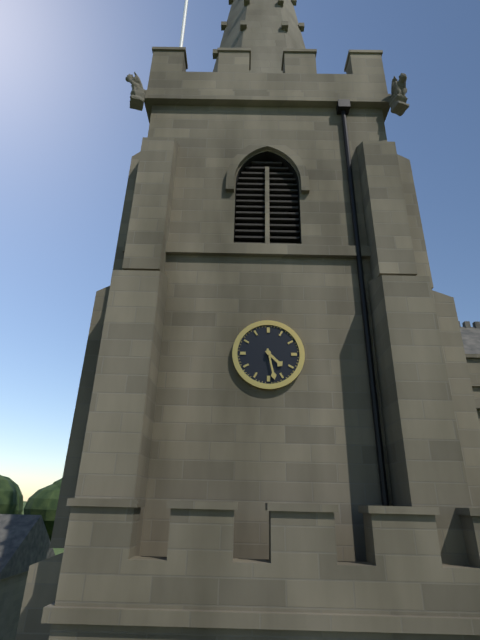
4:28
